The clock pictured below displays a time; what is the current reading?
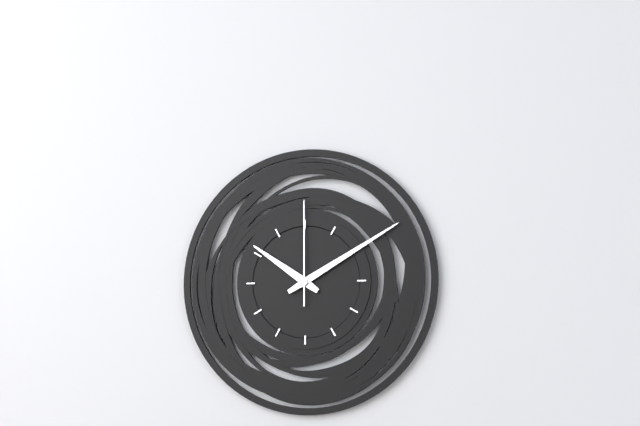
10:10:00
